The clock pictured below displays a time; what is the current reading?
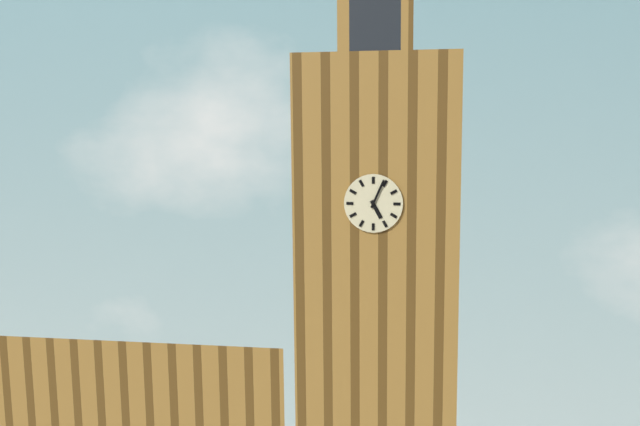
5:04
